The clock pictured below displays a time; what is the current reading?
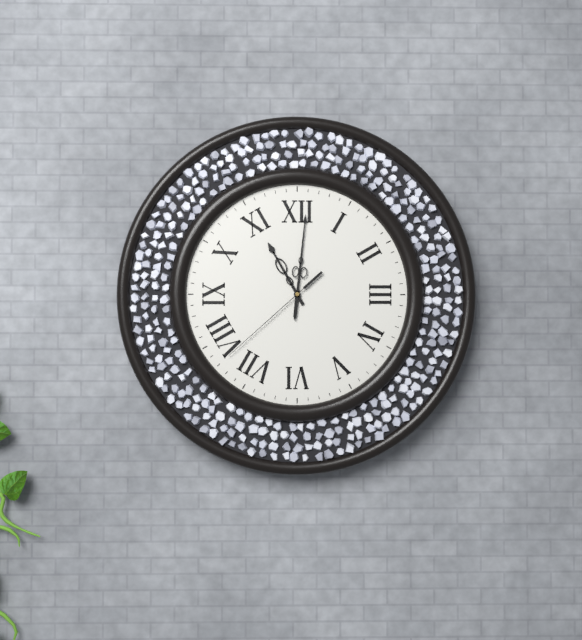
11:01:38
